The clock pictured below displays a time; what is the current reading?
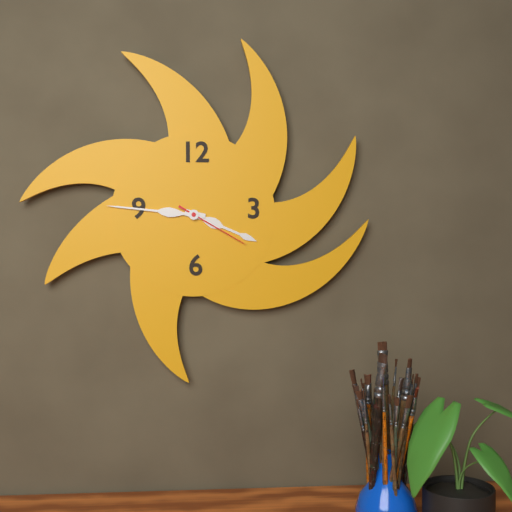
3:46:20
